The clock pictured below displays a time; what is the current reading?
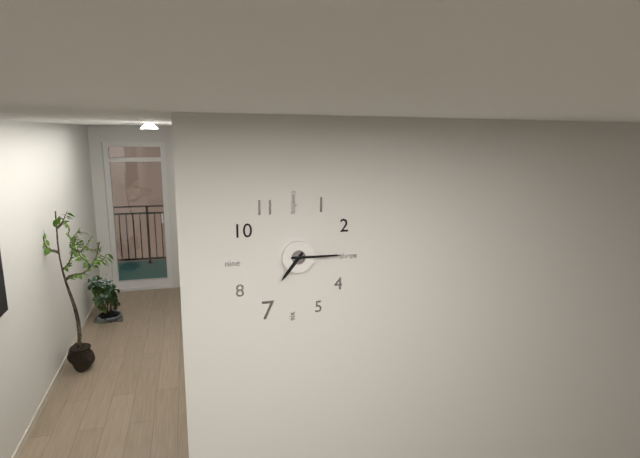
7:15
